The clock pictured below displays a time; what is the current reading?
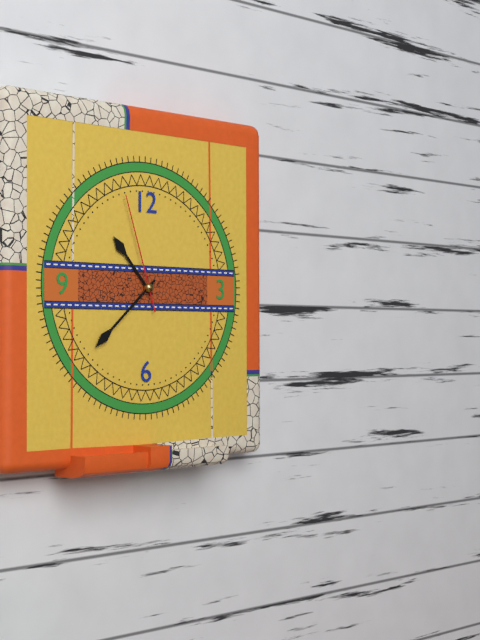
10:38:57
